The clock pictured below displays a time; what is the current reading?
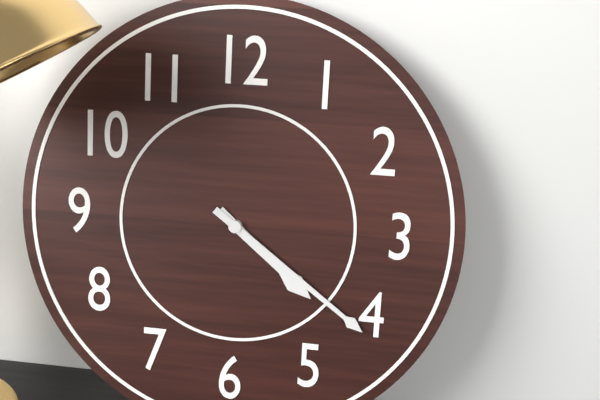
4:21
